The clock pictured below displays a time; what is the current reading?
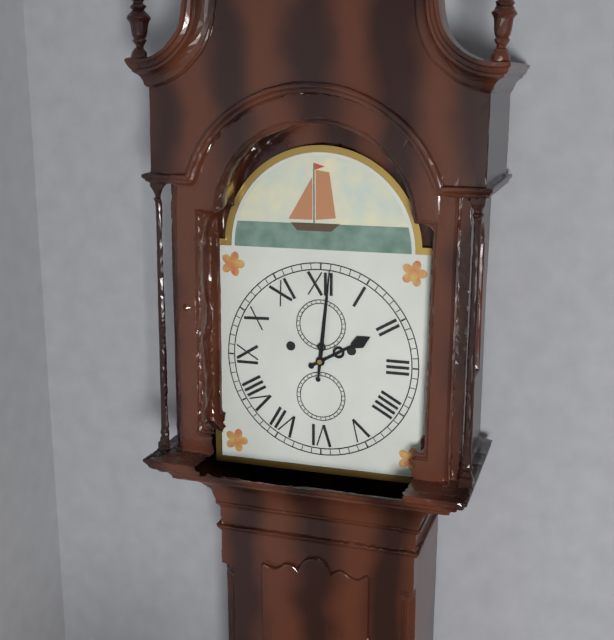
2:01
